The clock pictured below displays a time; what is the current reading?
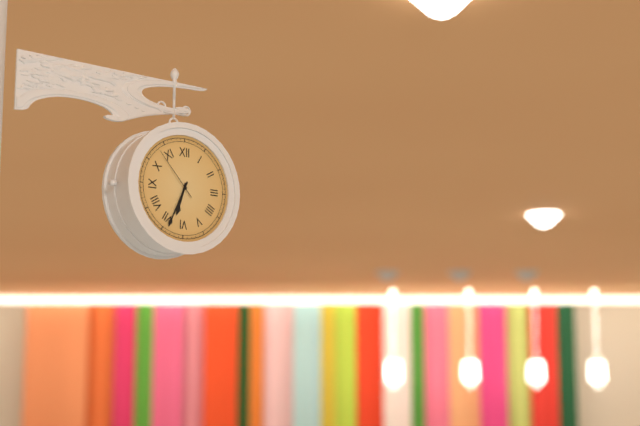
6:34:53
